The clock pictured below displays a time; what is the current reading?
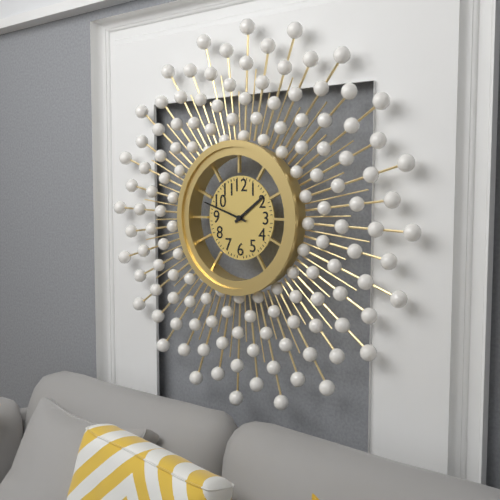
1:48
